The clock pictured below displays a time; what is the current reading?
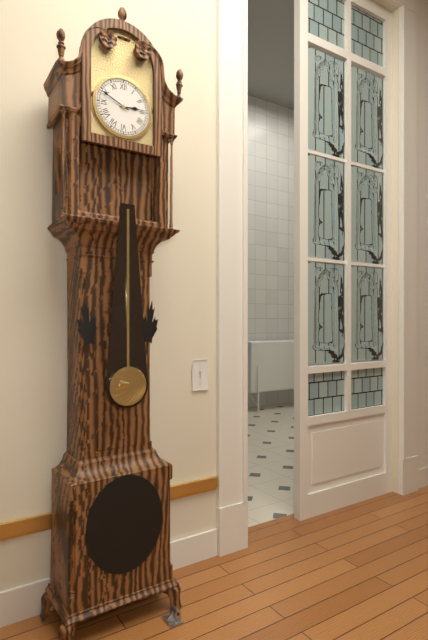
2:49
